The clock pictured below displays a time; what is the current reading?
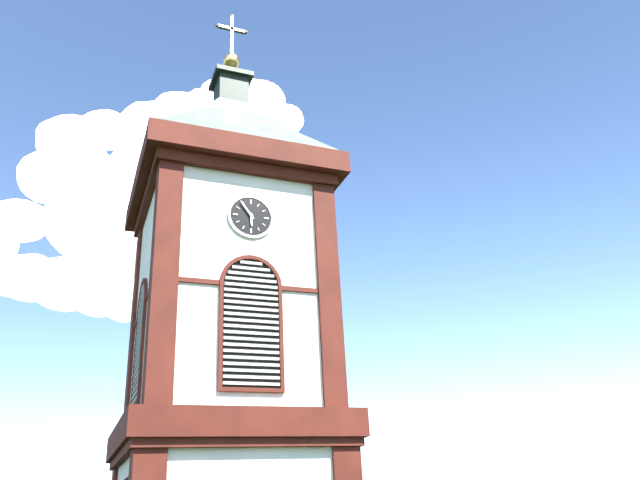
5:54
